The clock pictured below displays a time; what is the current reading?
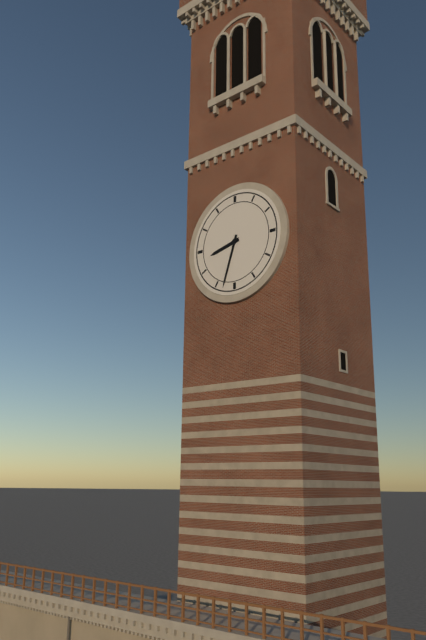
8:33
